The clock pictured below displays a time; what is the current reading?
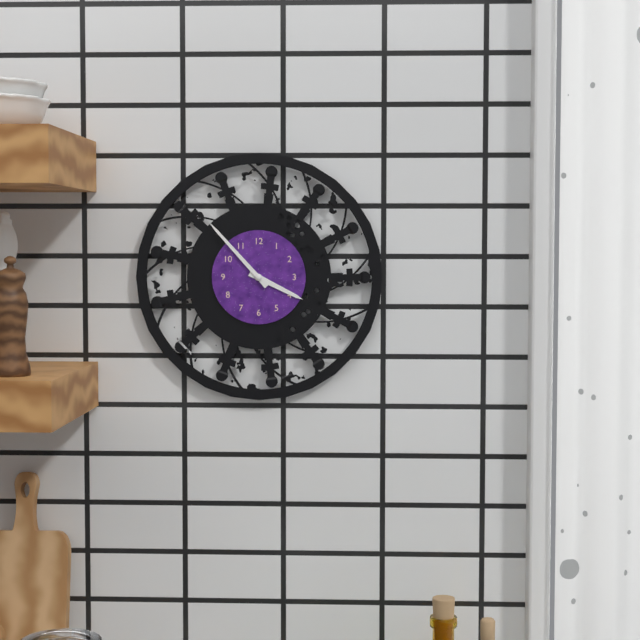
3:53
